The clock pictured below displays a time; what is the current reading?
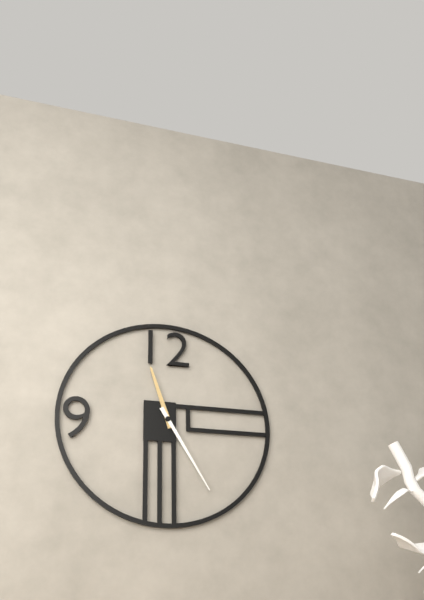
11:25
